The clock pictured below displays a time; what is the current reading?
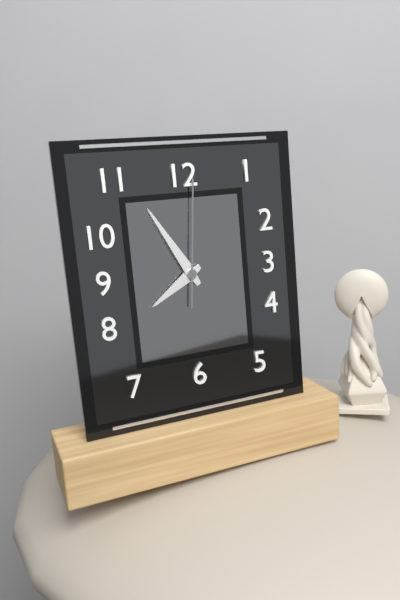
7:55:01
